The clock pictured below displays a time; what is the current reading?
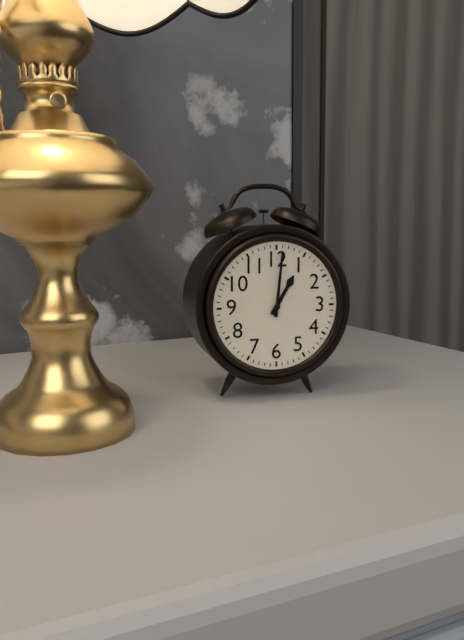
1:01
